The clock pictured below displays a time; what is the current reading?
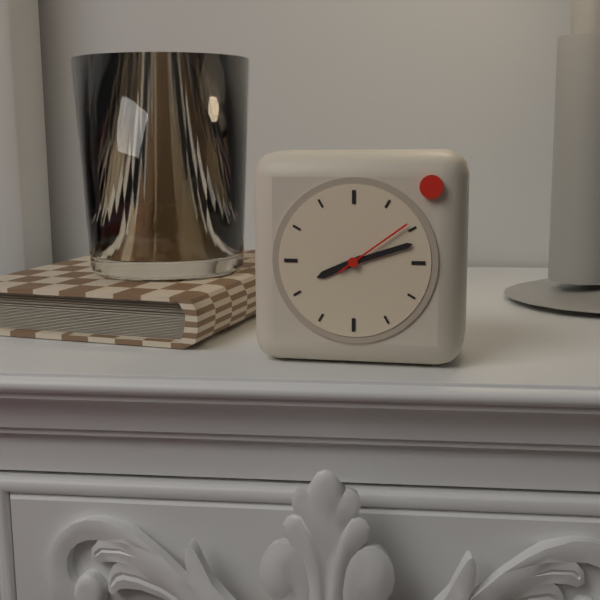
8:12:09
